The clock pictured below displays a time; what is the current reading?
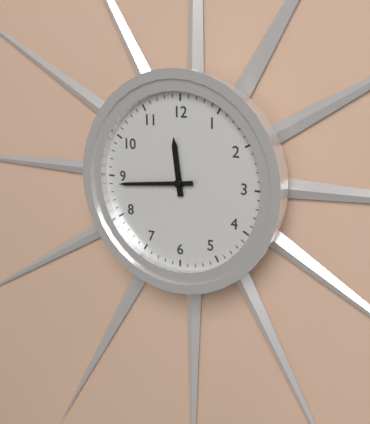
11:44
